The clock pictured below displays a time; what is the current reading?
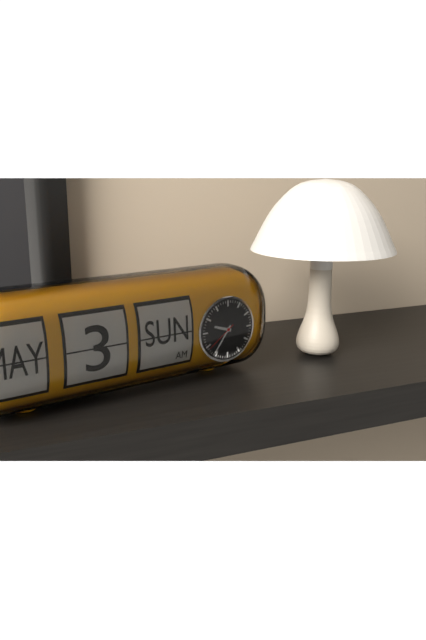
9:36
